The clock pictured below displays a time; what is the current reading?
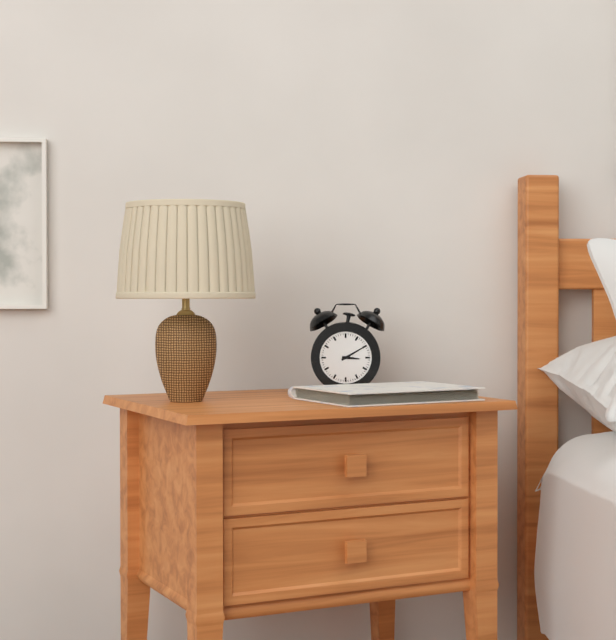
3:10
